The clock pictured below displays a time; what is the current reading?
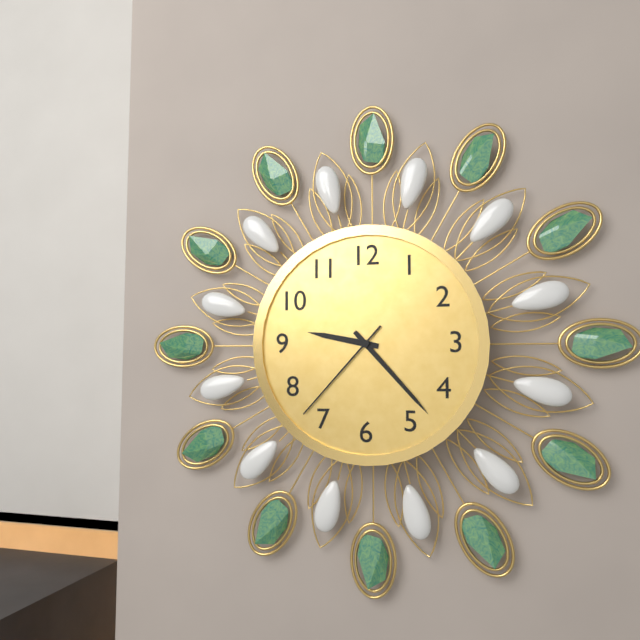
9:23:37
